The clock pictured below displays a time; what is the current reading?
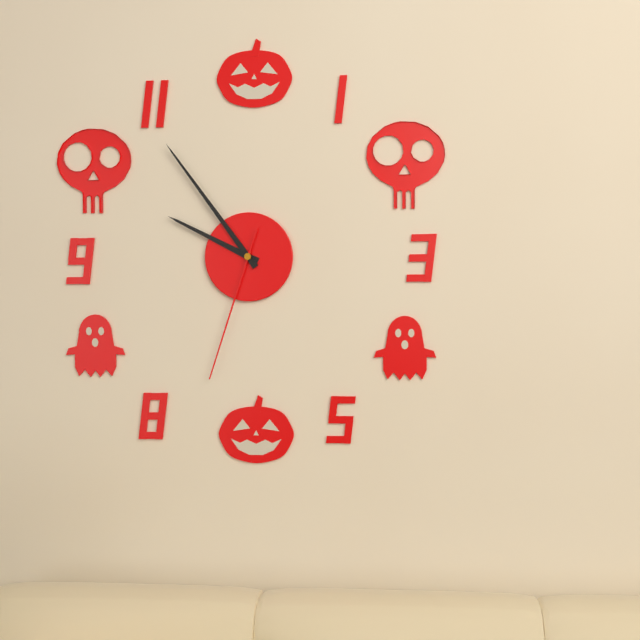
9:54:33
